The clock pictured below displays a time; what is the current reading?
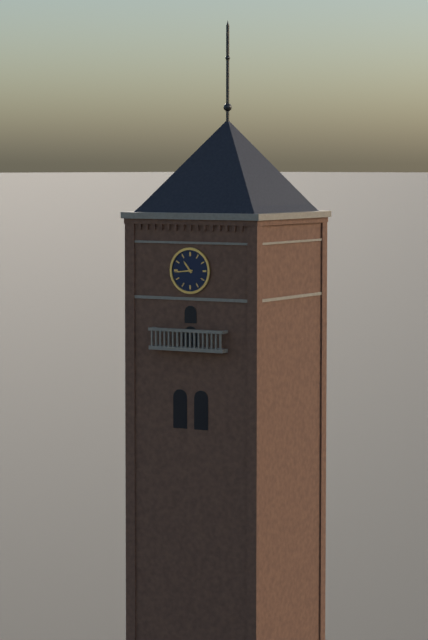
10:44
